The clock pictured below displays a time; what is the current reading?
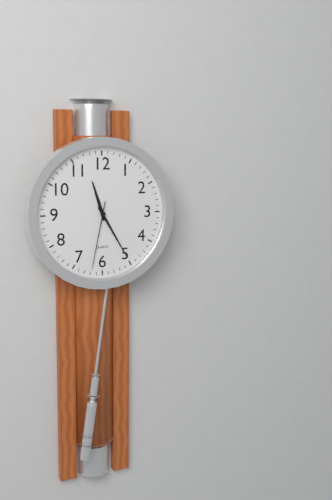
11:25:32
